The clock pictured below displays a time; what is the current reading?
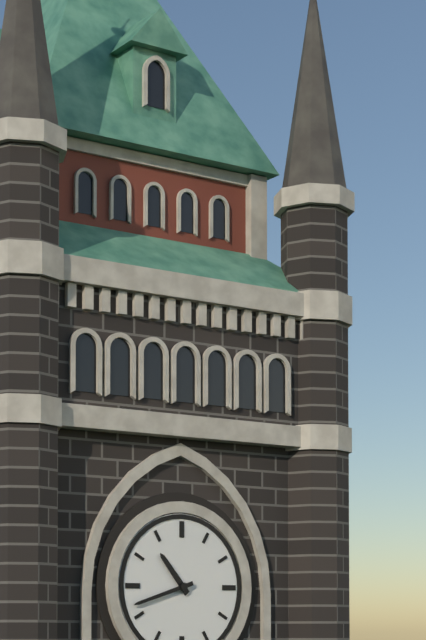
10:42
